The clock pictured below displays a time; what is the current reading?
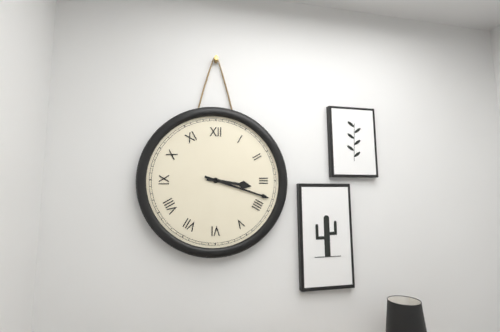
3:18
